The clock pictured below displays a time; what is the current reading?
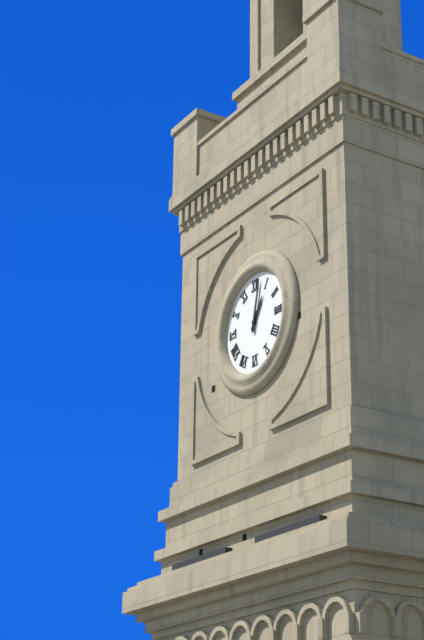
1:02
